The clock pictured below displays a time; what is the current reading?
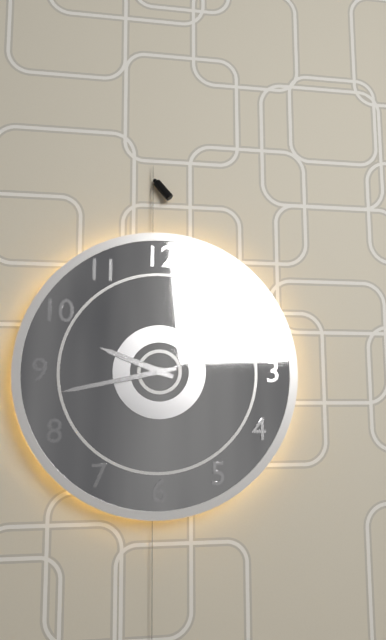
9:43:12
